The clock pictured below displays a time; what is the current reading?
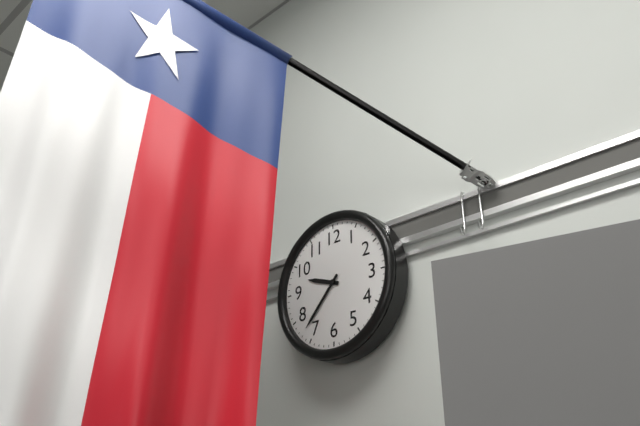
9:37
